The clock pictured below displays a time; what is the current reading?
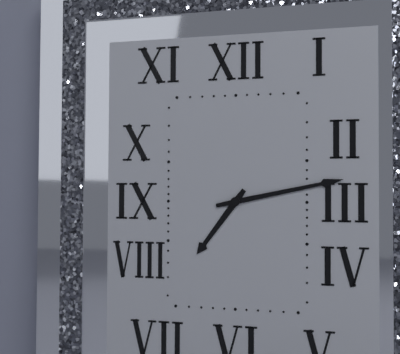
7:13
